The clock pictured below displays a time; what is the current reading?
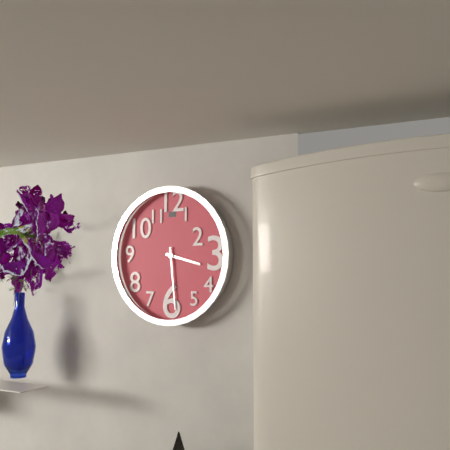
3:29
